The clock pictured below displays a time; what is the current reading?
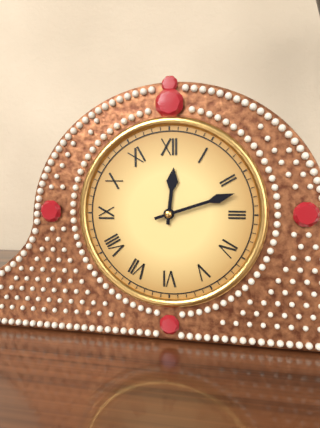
12:12
